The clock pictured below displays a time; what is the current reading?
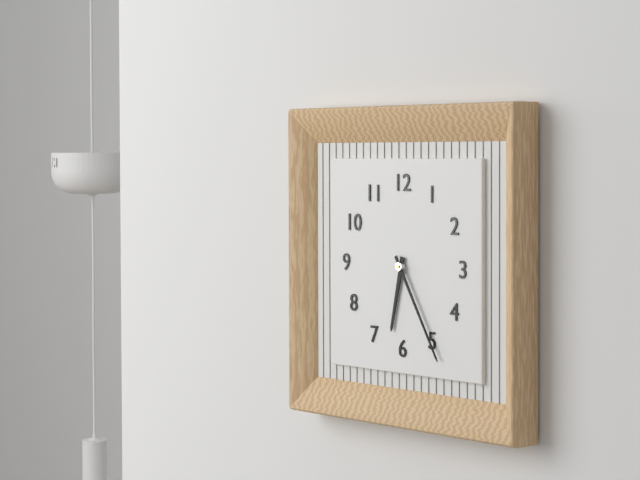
6:25
